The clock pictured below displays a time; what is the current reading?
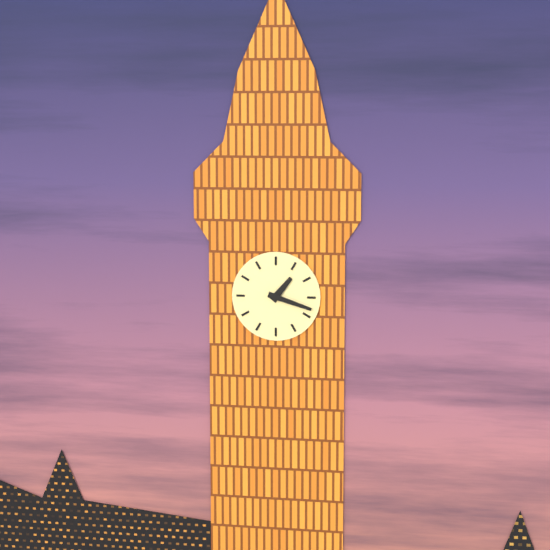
1:18
